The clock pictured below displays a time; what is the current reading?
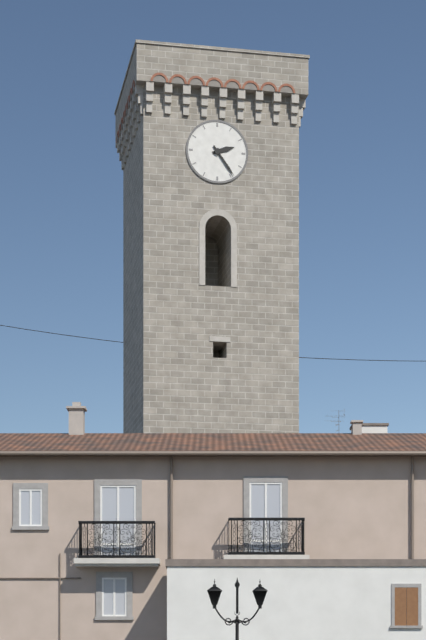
2:24
